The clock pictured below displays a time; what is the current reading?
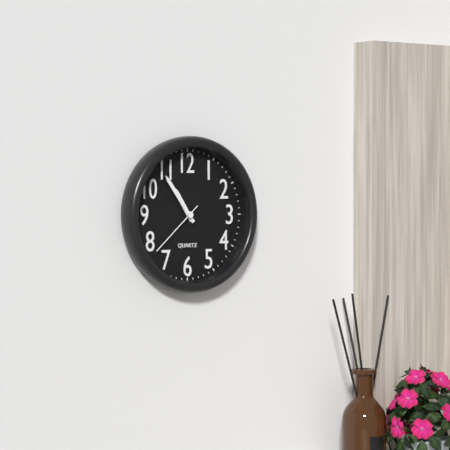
10:54:38
